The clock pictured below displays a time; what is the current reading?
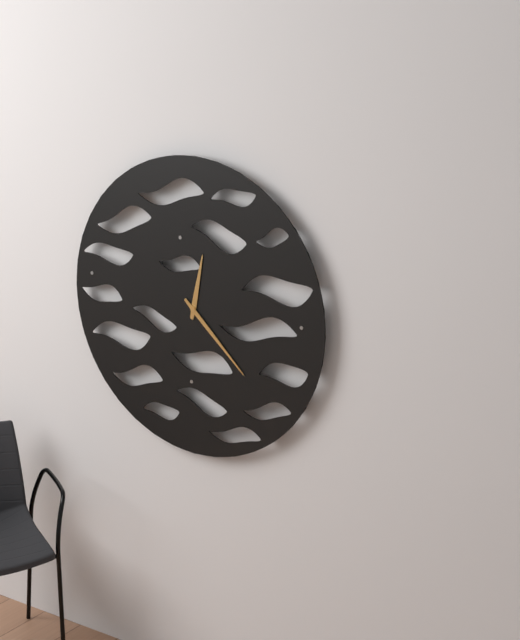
12:22
